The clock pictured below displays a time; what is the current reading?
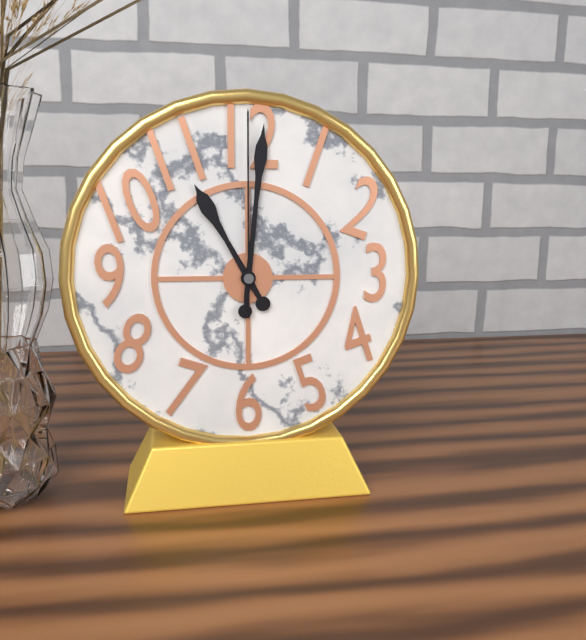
11:01:00
